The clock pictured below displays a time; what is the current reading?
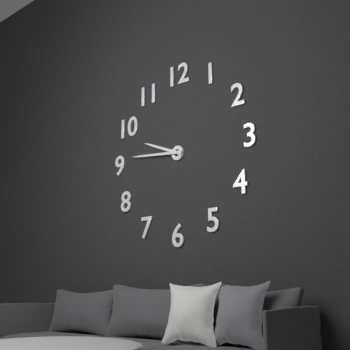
9:46
